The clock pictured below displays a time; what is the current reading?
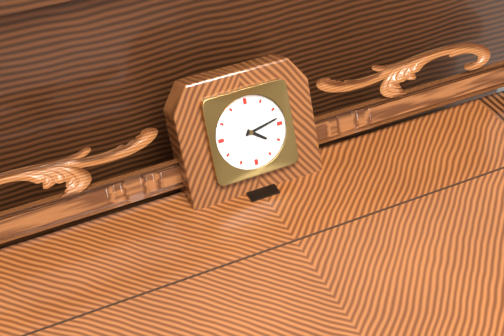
4:13
